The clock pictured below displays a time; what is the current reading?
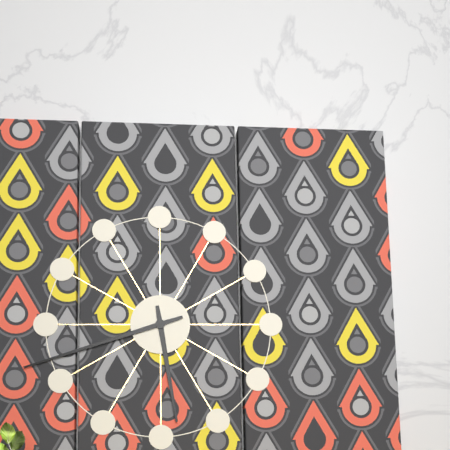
5:42
